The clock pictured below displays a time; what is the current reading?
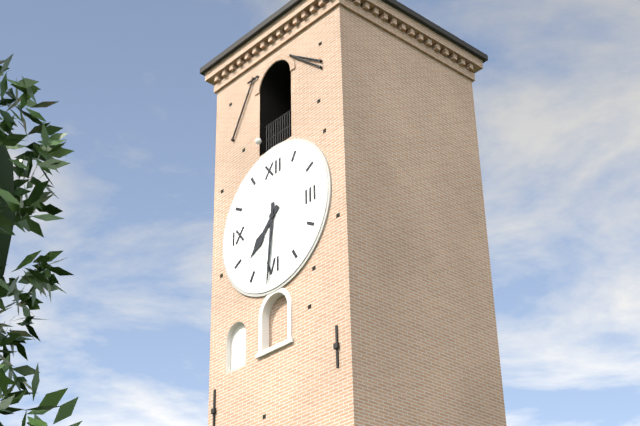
7:31
